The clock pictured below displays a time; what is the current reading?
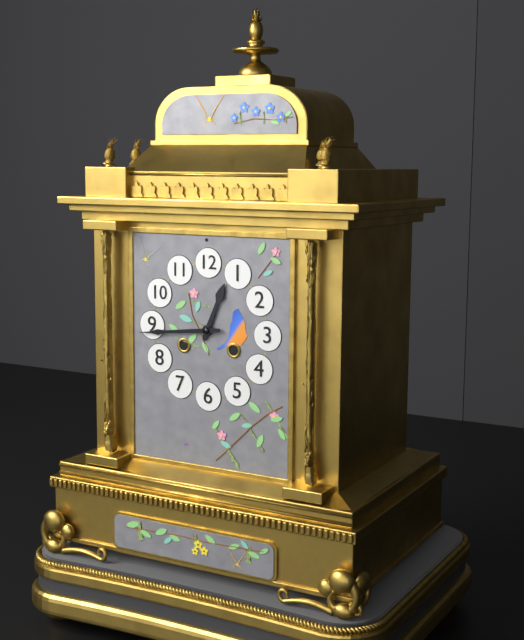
12:44
